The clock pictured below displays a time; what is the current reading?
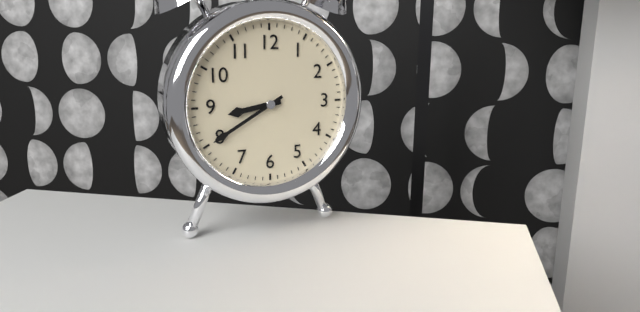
8:40
